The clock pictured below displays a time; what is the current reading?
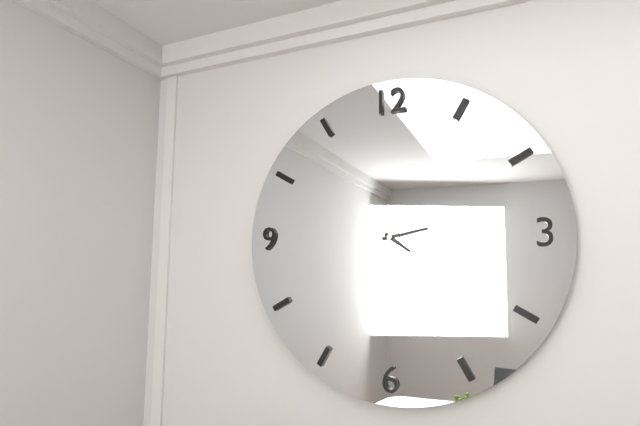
4:13
